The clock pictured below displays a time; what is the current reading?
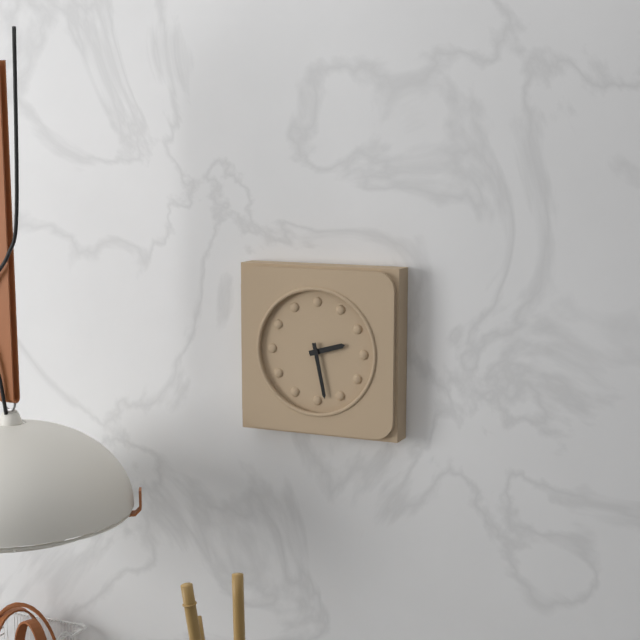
2:28
